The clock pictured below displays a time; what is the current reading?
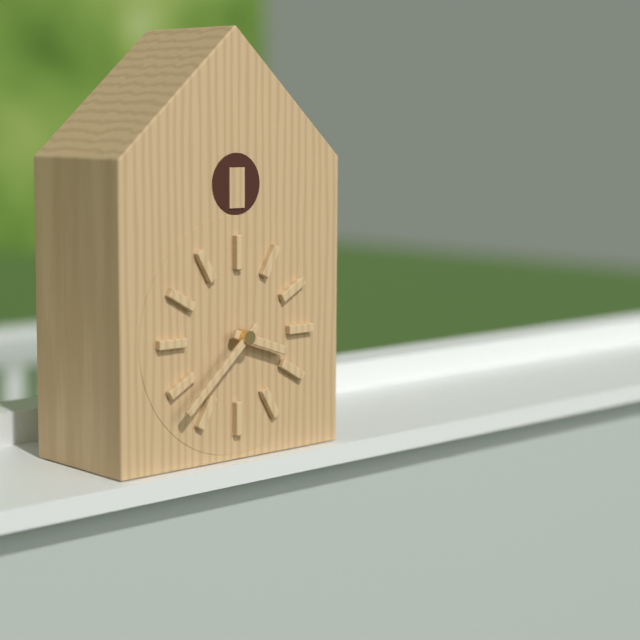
3:38
